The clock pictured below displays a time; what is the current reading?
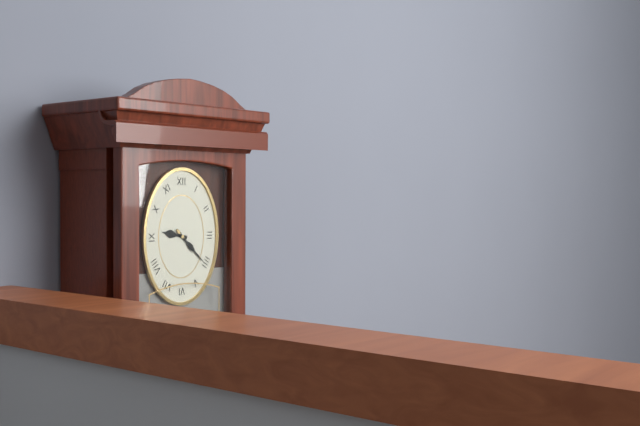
9:22
